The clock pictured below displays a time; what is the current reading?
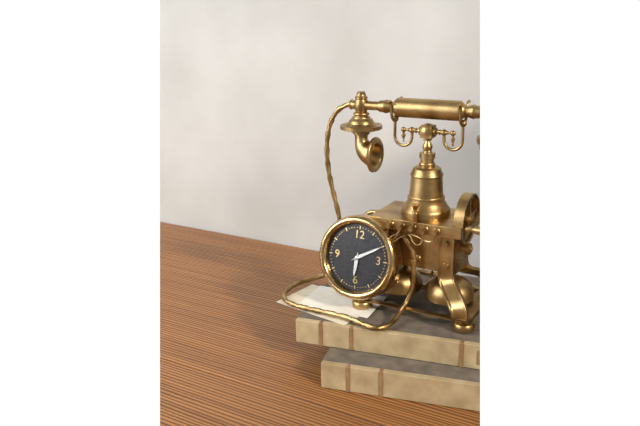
6:10
